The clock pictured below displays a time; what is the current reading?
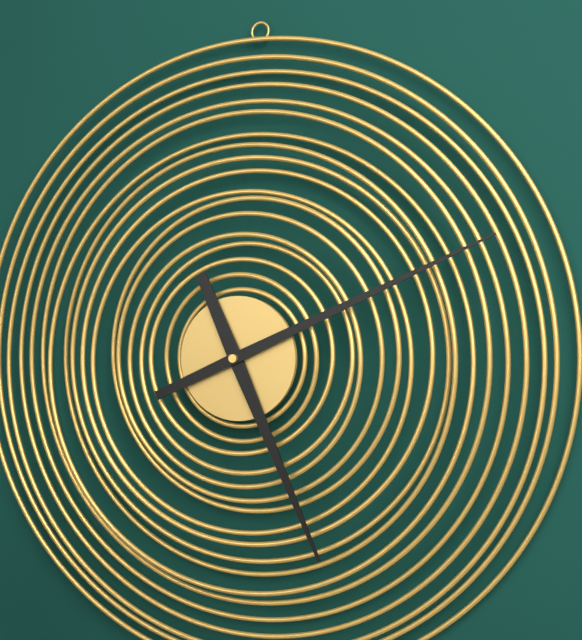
5:11
